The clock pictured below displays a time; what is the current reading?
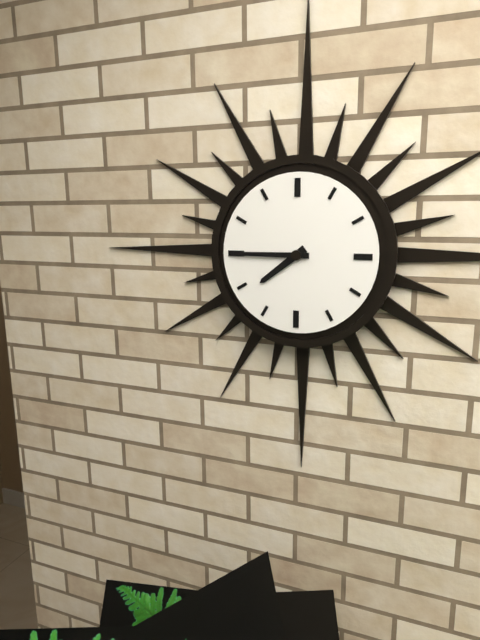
7:45
